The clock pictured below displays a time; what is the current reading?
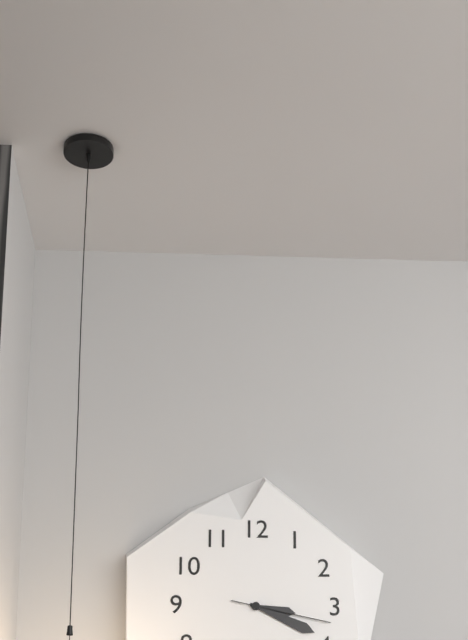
3:19:17
